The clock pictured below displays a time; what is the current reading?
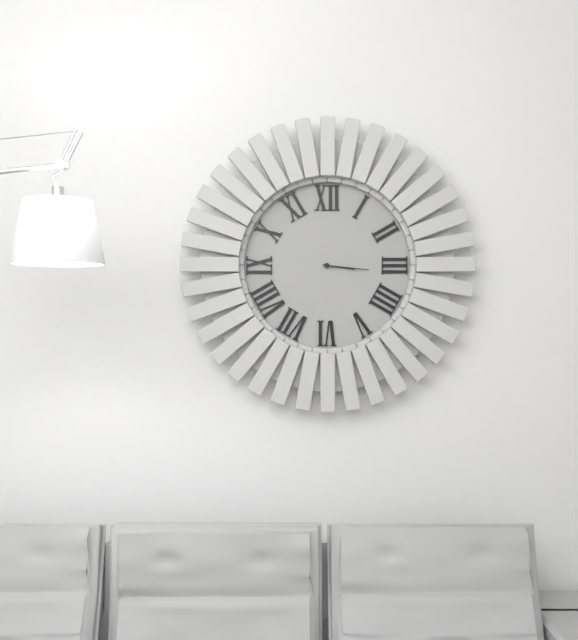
3:16
